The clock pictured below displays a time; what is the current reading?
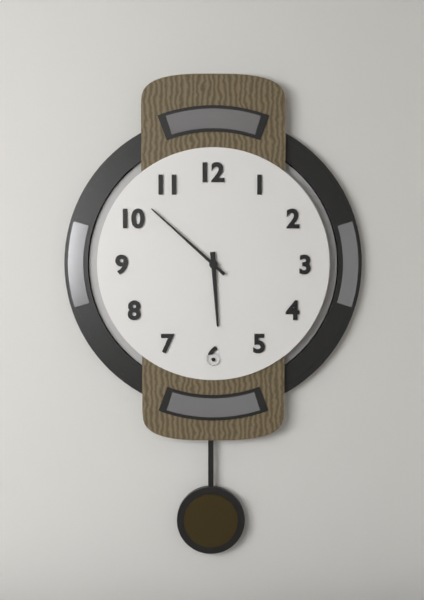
5:52
